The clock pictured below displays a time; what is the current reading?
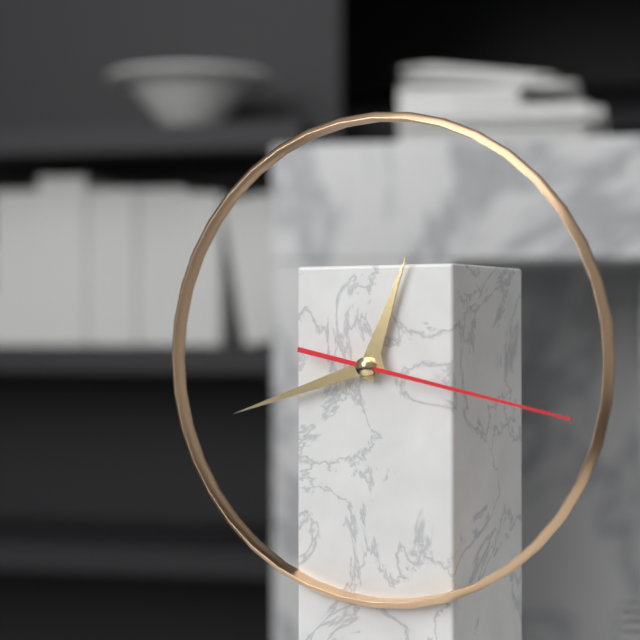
12:42:17
